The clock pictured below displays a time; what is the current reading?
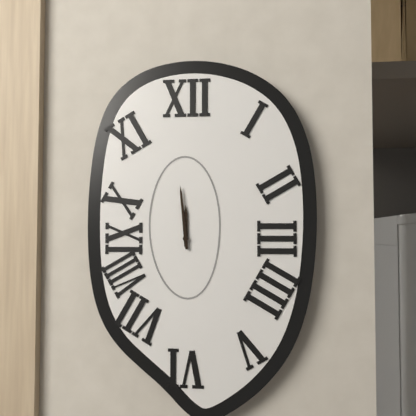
11:59
